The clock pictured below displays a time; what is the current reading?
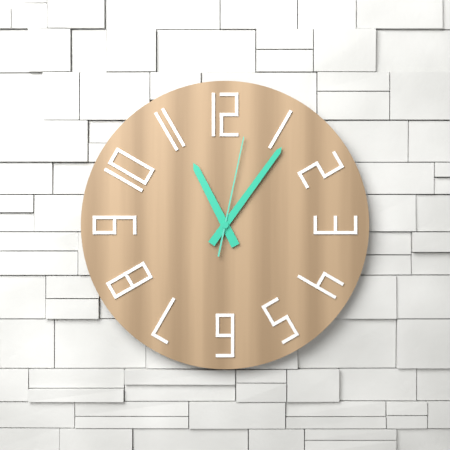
11:06:02
